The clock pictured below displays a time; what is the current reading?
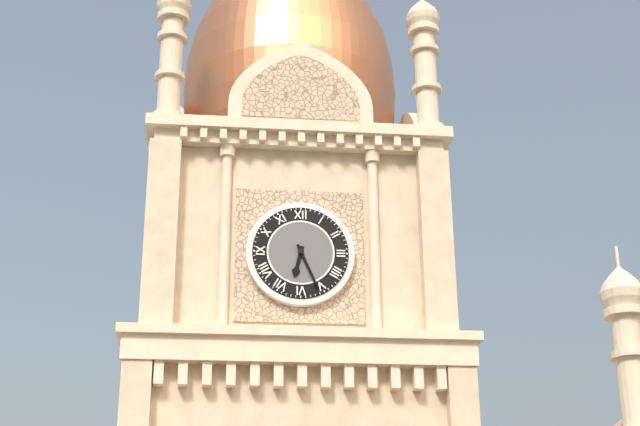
6:26
